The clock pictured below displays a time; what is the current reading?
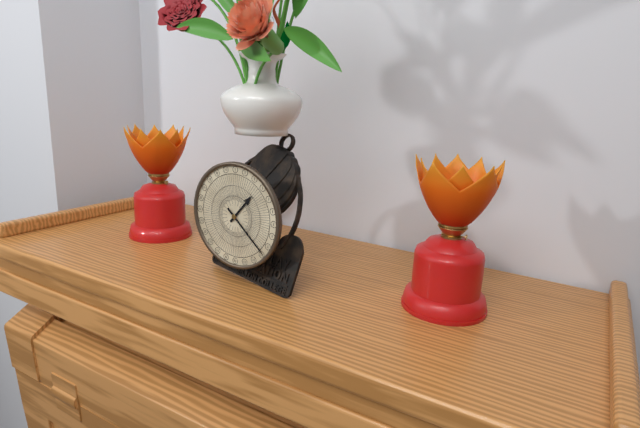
1:22
